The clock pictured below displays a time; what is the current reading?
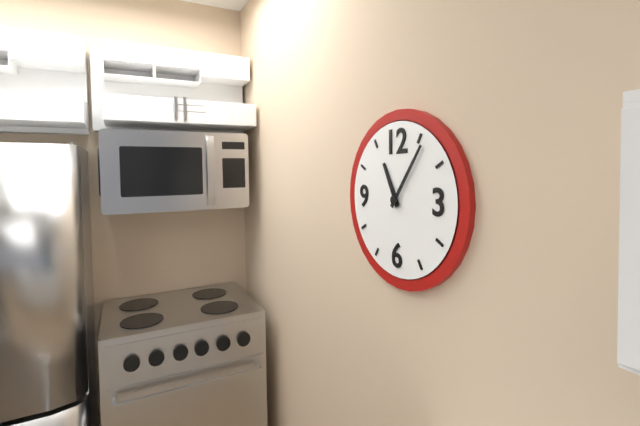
11:06
